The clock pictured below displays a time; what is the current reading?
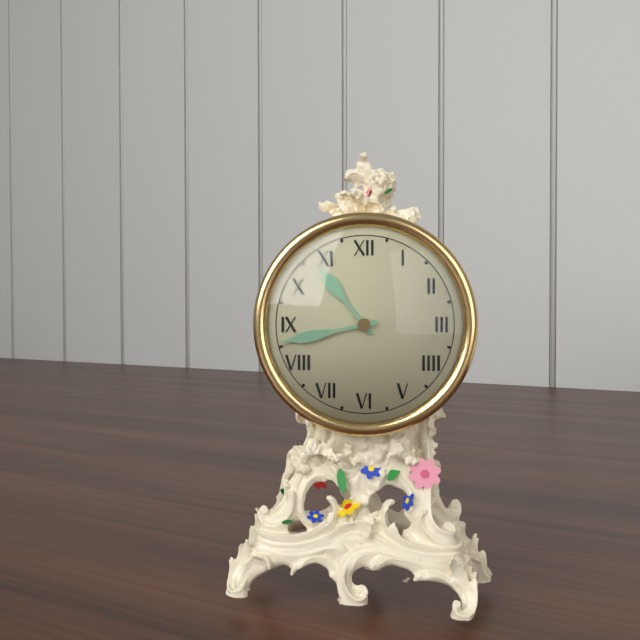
10:43
